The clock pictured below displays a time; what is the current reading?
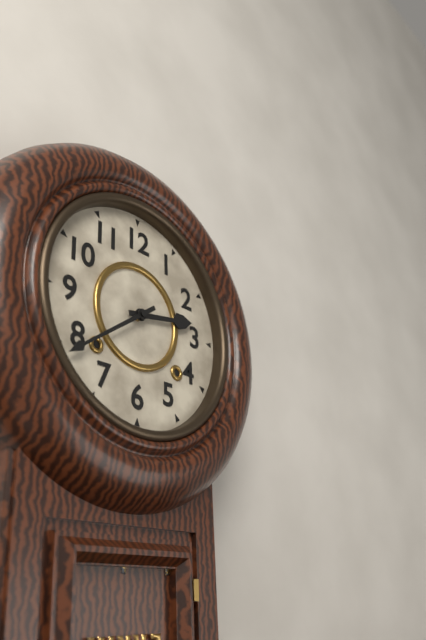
2:39
